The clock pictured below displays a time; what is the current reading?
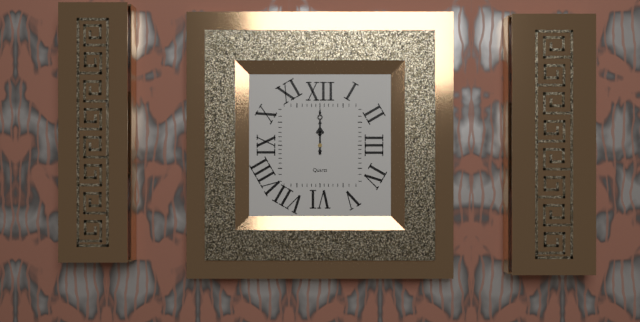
12:00
